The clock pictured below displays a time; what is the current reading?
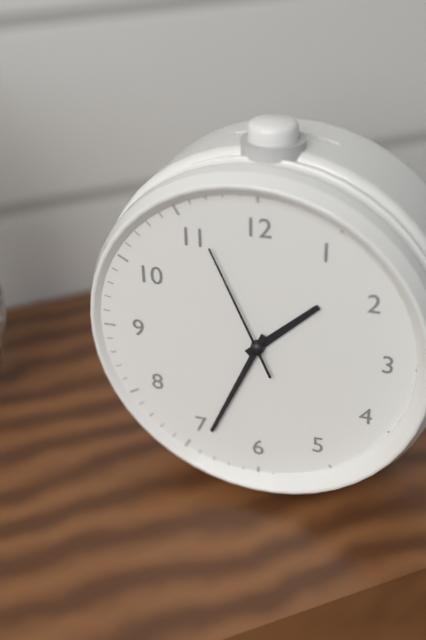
1:34:56
